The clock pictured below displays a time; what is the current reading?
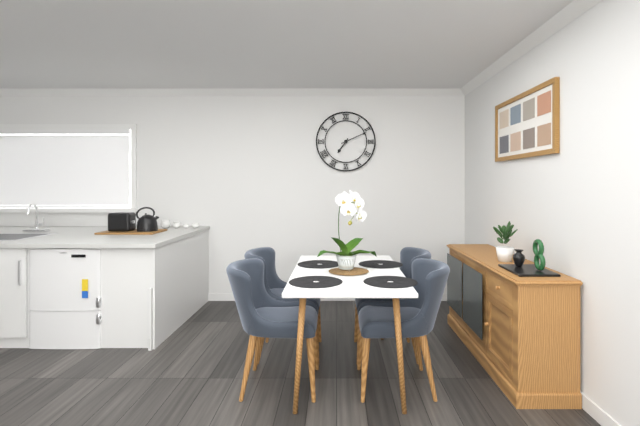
7:11
